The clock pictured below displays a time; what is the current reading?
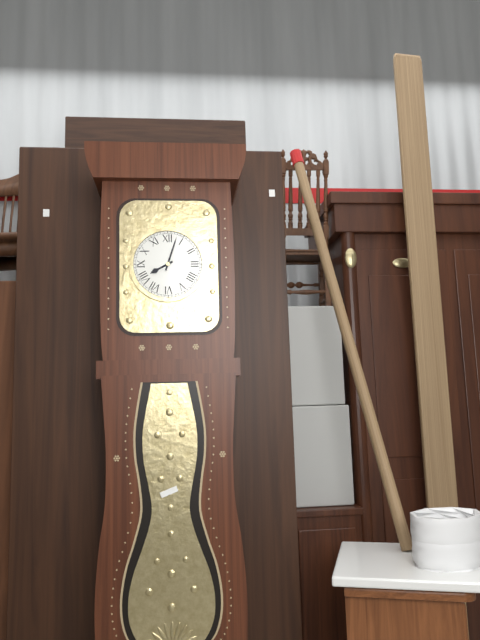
8:03
